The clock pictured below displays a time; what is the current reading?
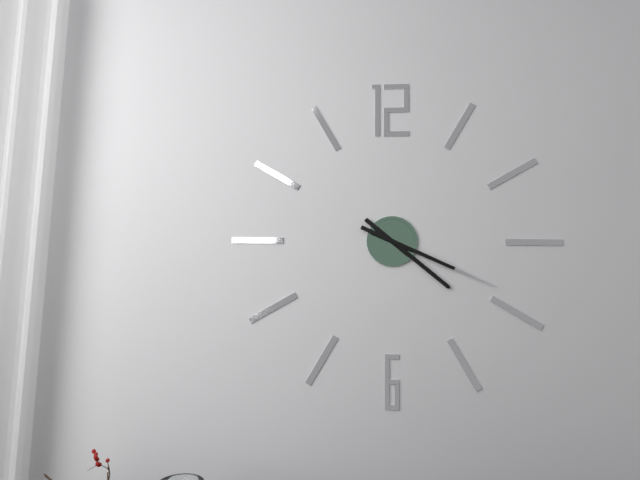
4:19
